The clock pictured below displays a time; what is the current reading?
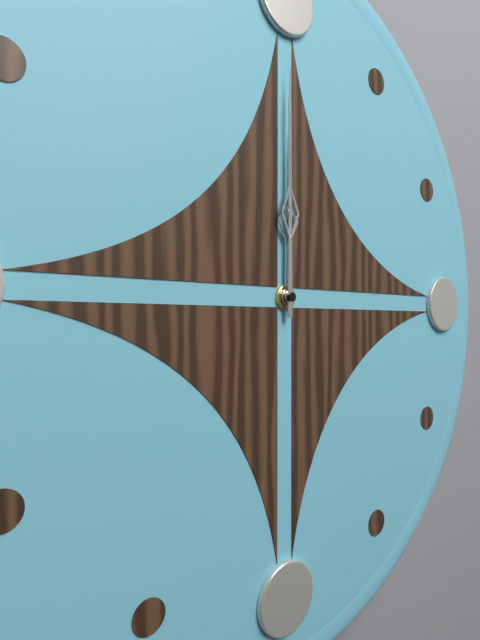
12:00
